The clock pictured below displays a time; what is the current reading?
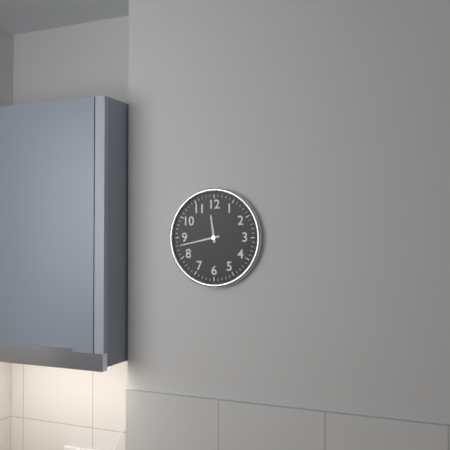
11:43
